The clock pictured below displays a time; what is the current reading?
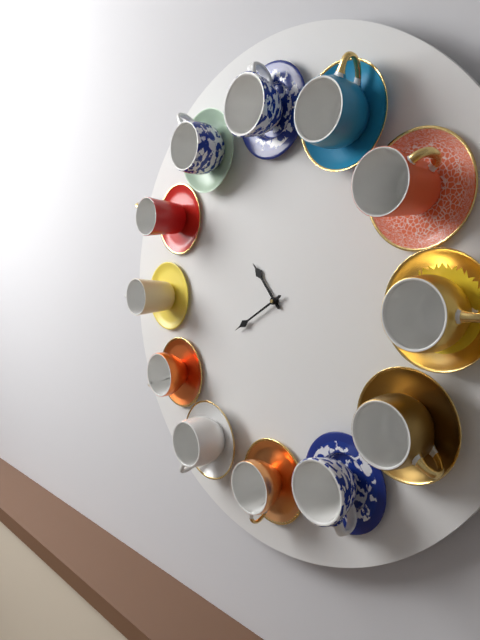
10:40
